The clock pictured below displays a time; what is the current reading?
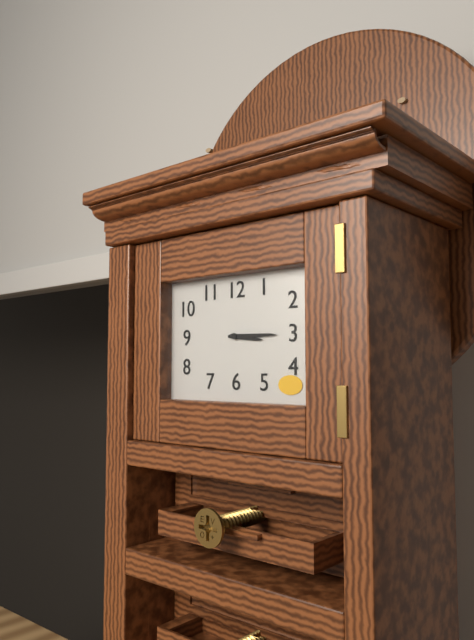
3:15
